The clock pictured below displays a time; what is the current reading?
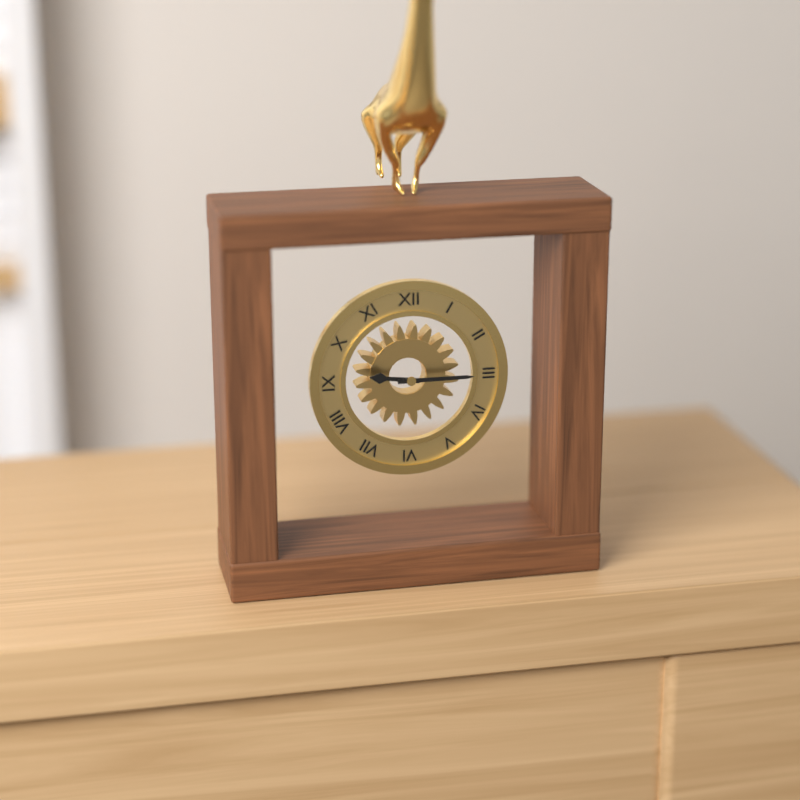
9:15
